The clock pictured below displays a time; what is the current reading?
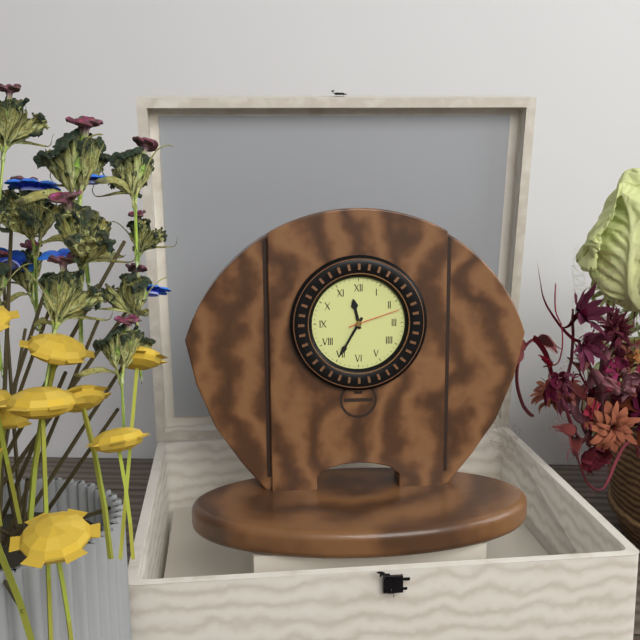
11:35:12
